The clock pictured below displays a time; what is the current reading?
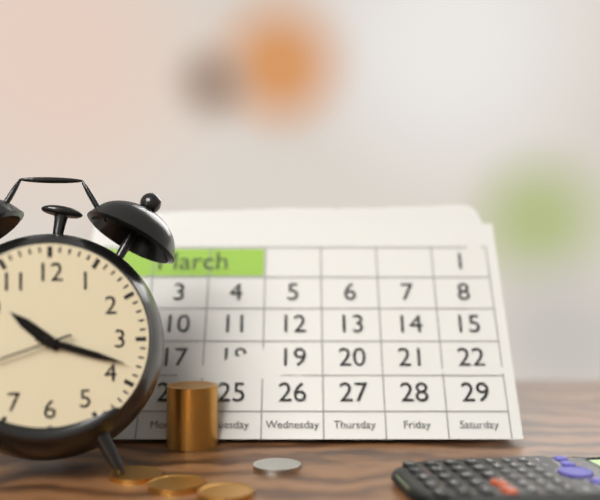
10:18
